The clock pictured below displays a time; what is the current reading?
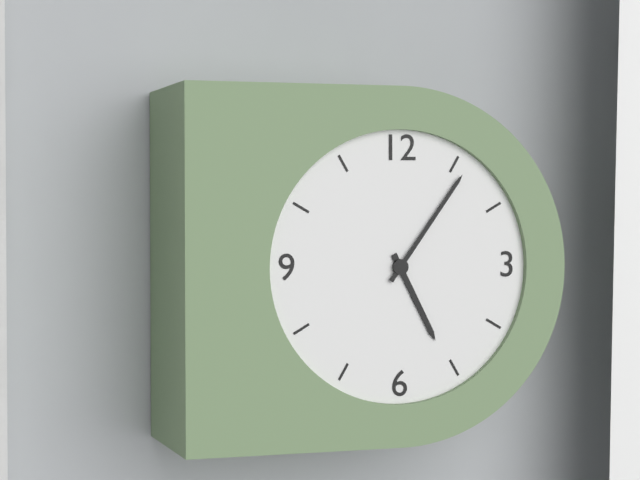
5:06
